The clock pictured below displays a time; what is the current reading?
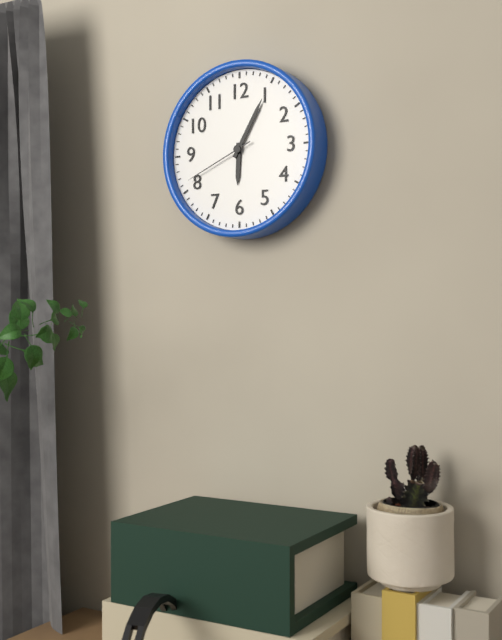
6:05:41
